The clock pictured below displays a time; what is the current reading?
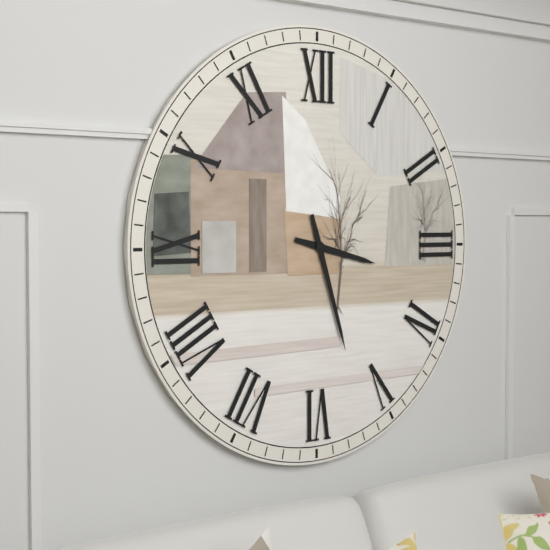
3:27
